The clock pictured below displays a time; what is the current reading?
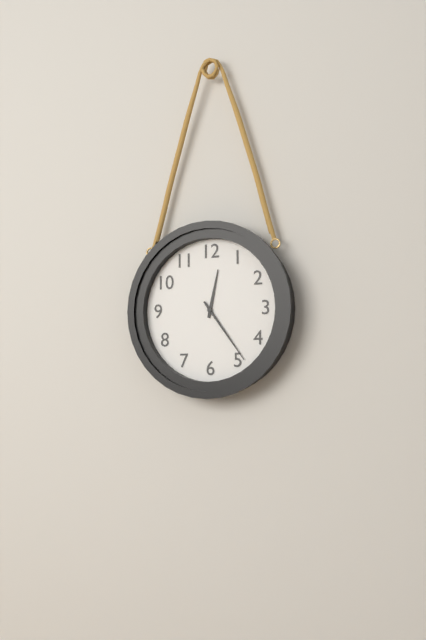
12:24
